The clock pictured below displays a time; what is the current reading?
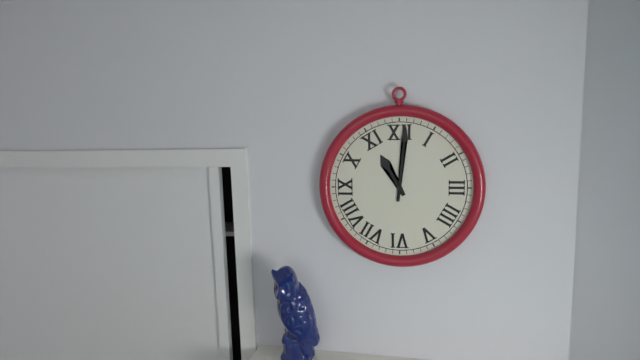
11:01
